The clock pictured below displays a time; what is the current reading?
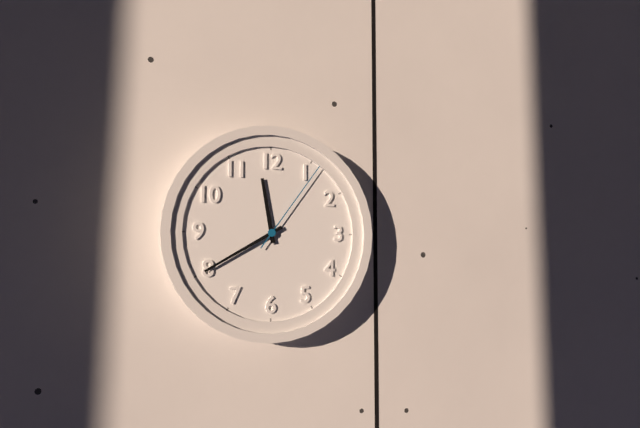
11:40:06
